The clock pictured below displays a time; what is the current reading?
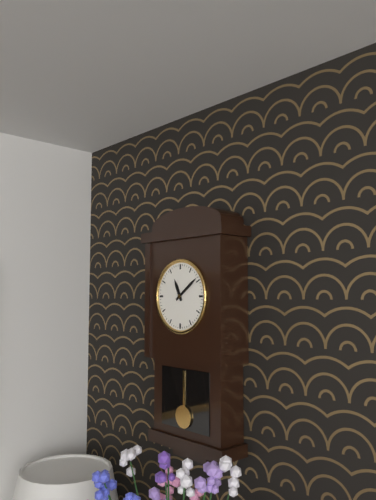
11:09
